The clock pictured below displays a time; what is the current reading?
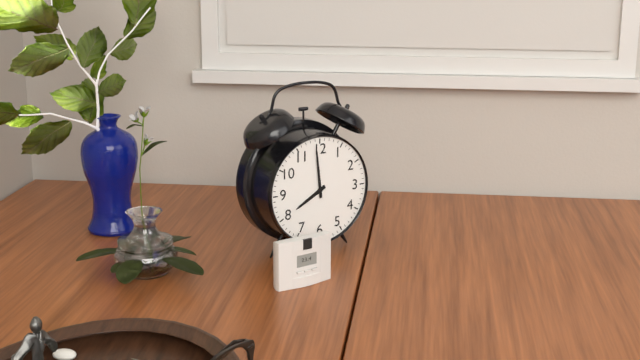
7:59
